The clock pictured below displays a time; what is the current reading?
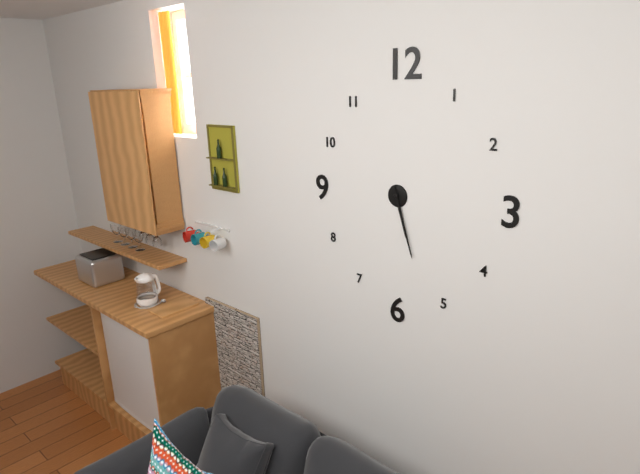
5:27
